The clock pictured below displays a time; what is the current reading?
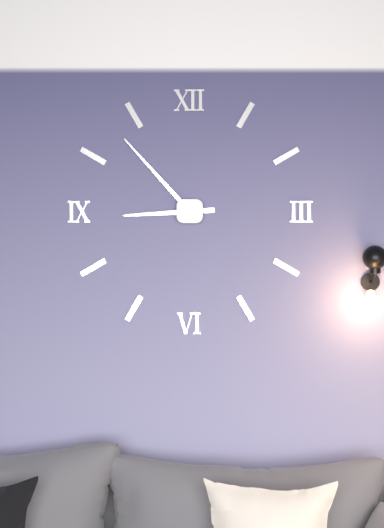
8:53
